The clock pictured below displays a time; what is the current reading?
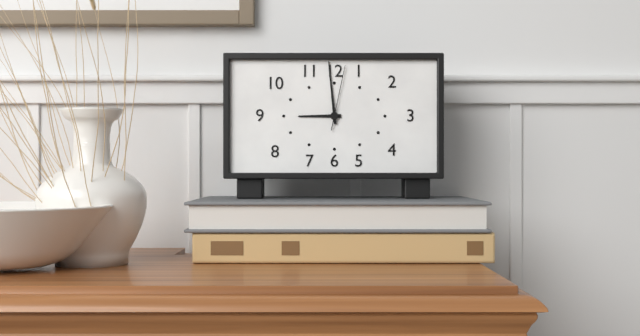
8:59:02
